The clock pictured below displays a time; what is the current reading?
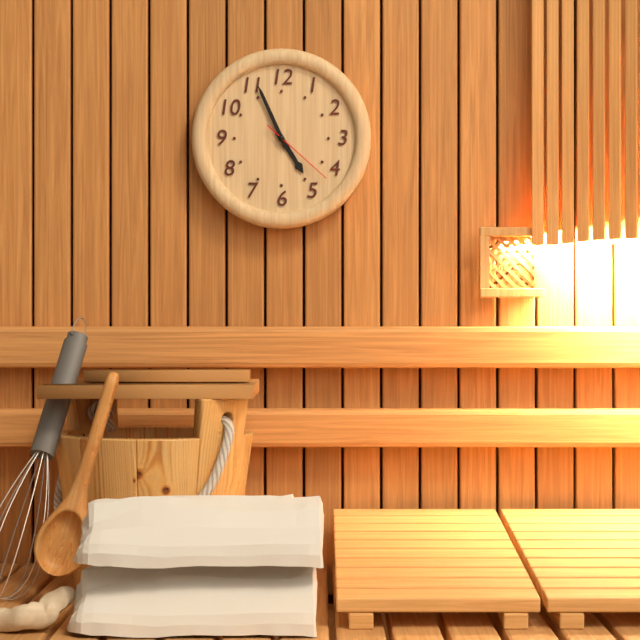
4:56:22
